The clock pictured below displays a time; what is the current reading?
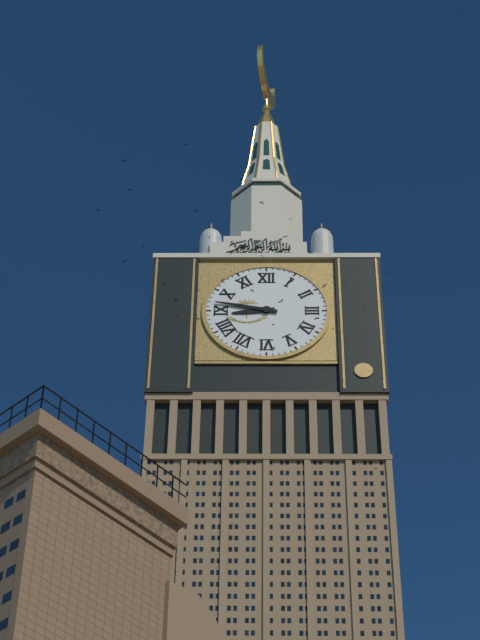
8:47
